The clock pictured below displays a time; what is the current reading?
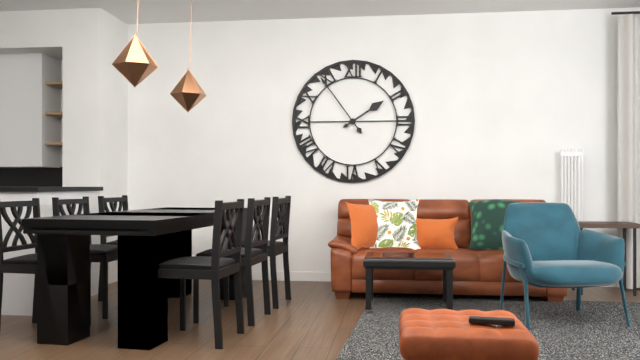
1:54
